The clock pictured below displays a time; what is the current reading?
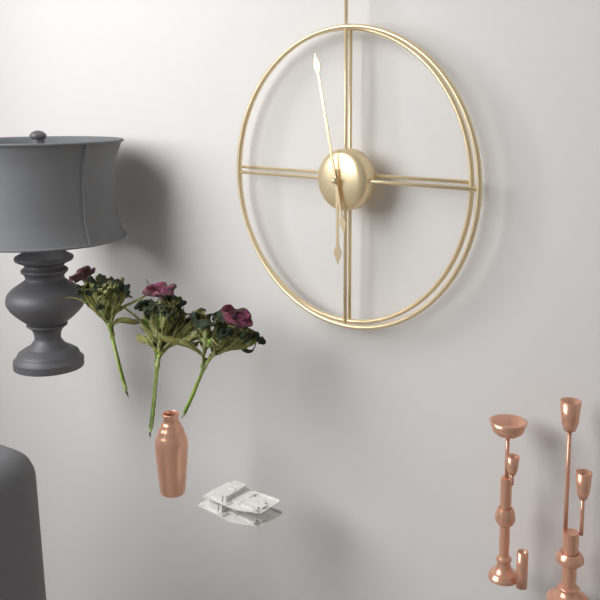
5:58
